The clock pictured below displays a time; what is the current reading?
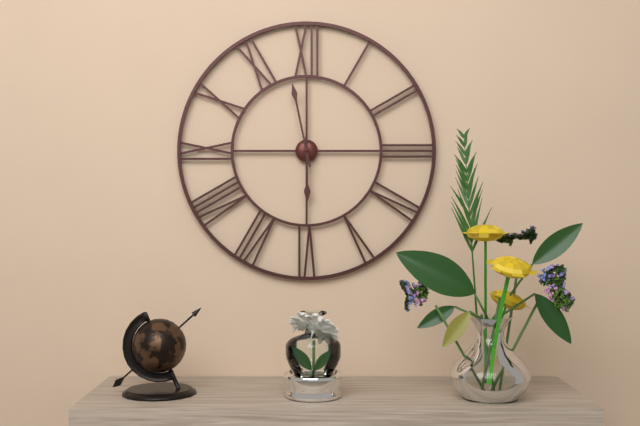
5:58
